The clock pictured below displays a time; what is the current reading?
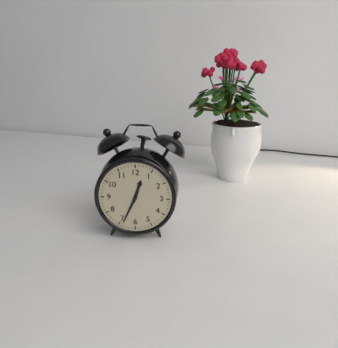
12:34
